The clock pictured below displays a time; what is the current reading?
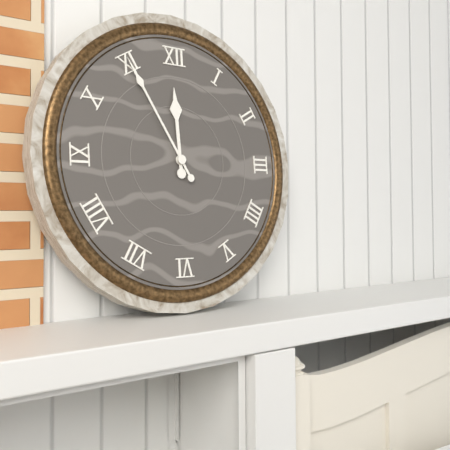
11:55
